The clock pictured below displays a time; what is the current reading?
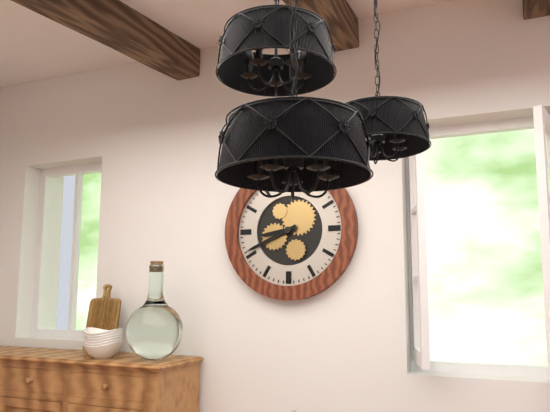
8:41
